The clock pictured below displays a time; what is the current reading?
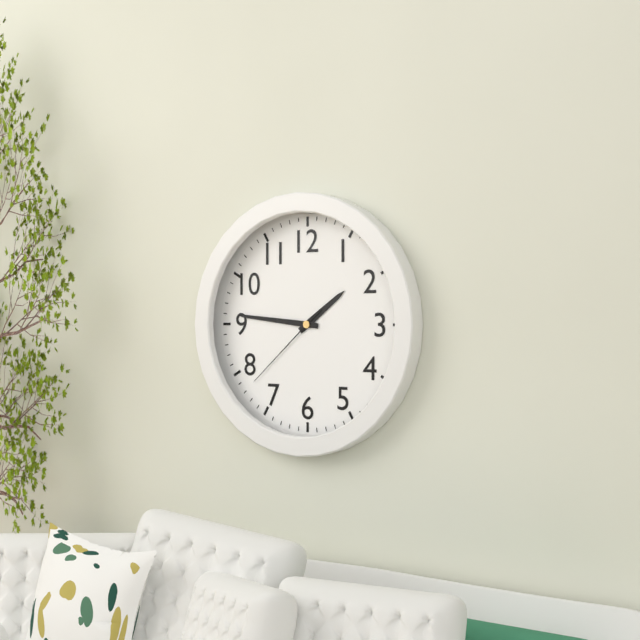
1:46:38
